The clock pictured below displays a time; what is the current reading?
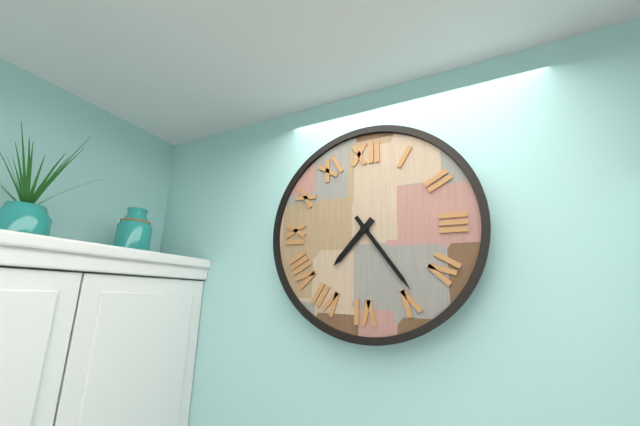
7:24
